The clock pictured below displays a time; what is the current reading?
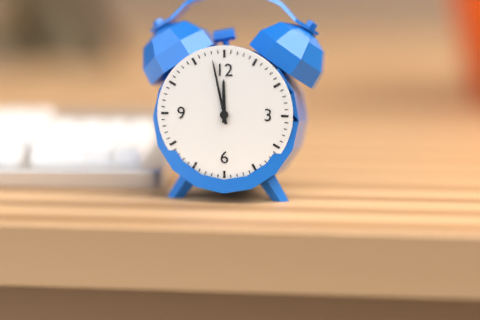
11:58
